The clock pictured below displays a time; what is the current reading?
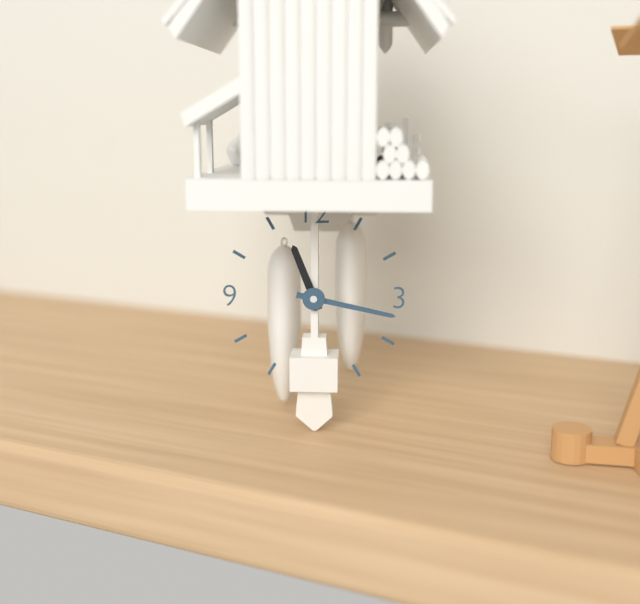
11:17
